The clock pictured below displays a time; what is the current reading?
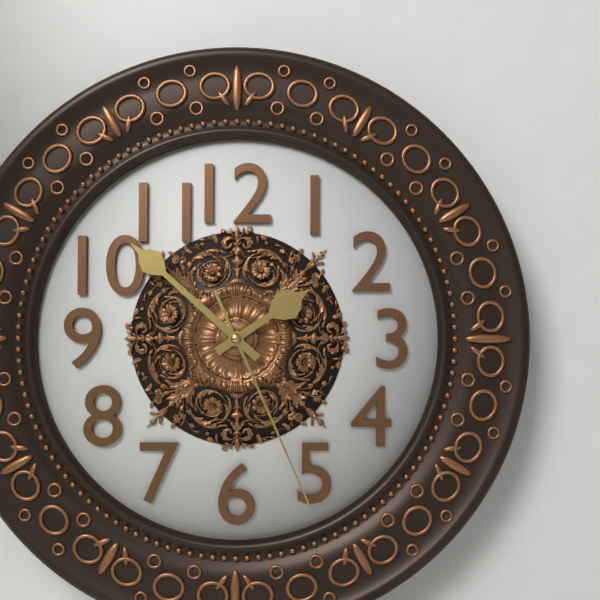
1:52:26
